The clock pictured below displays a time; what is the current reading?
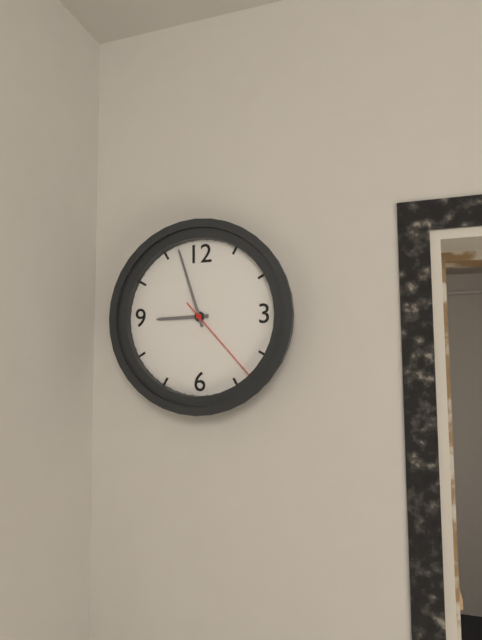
8:57:23
